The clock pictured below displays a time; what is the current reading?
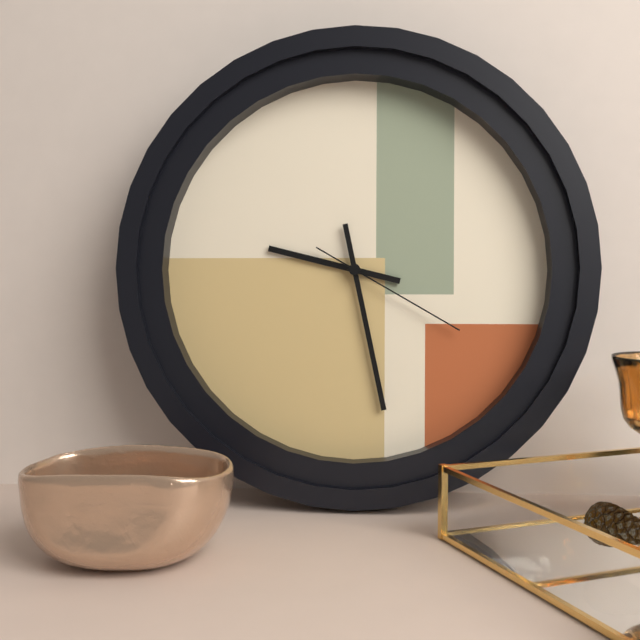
9:28:20
